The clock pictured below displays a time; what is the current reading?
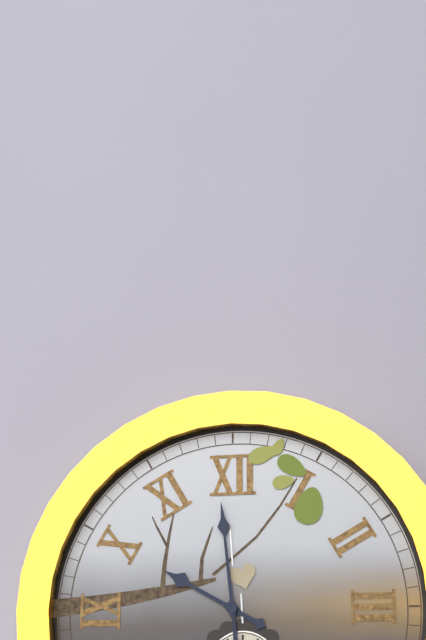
9:59
